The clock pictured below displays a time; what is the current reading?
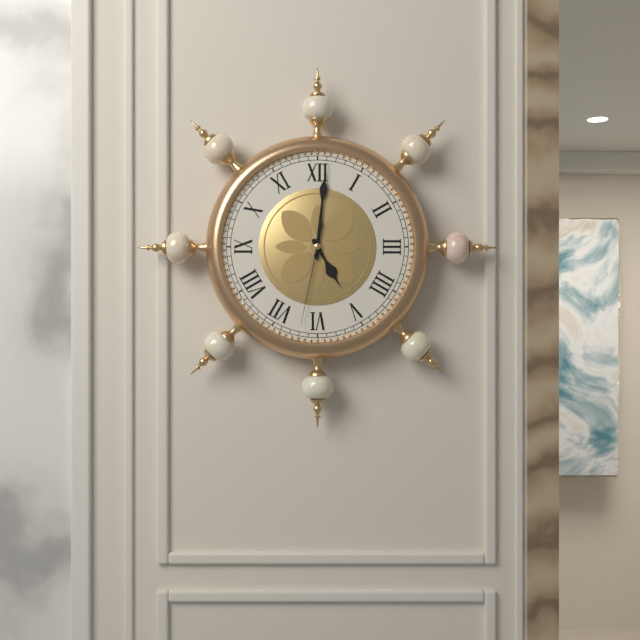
5:01:32
